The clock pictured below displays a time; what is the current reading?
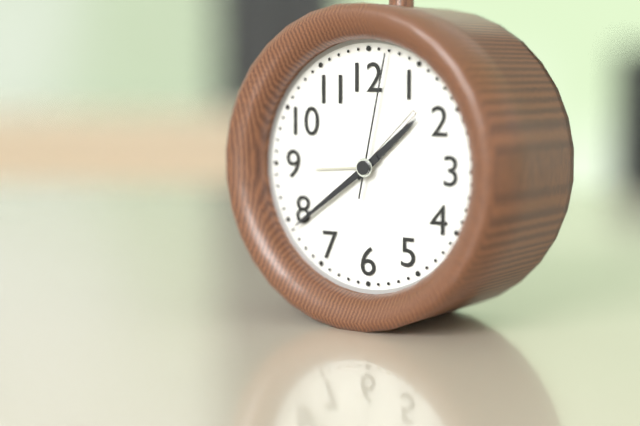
1:39:02
